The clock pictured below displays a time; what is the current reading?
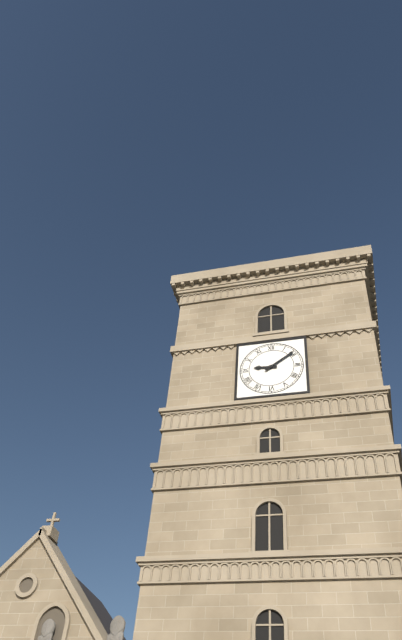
9:09
